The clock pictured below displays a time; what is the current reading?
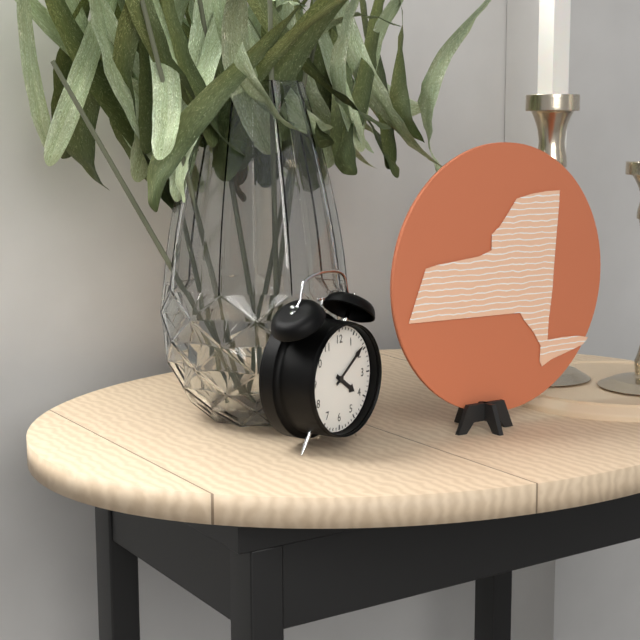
4:09
